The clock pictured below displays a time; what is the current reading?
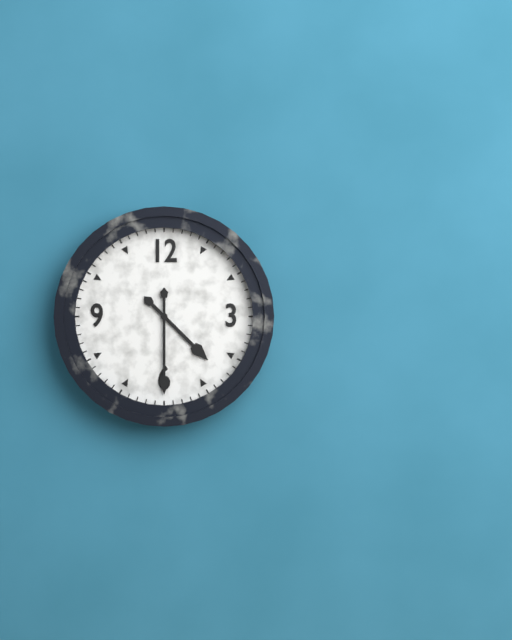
4:30
